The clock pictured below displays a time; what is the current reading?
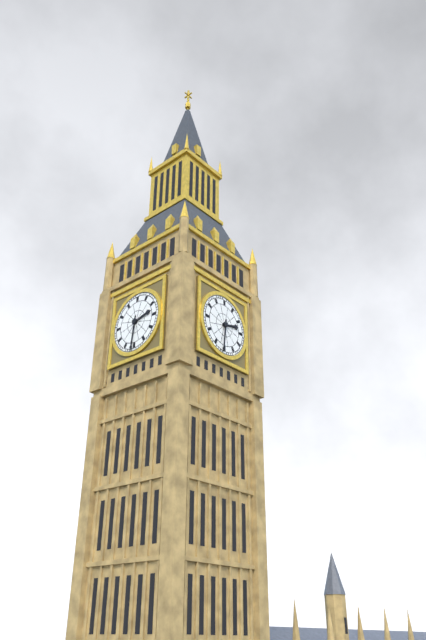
2:31
